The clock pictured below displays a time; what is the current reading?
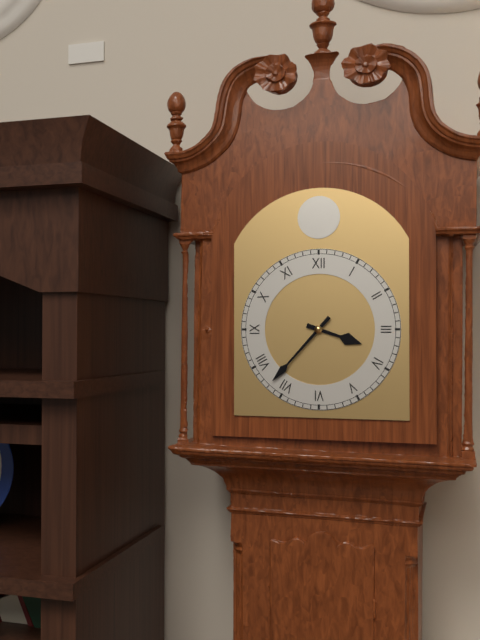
3:37
